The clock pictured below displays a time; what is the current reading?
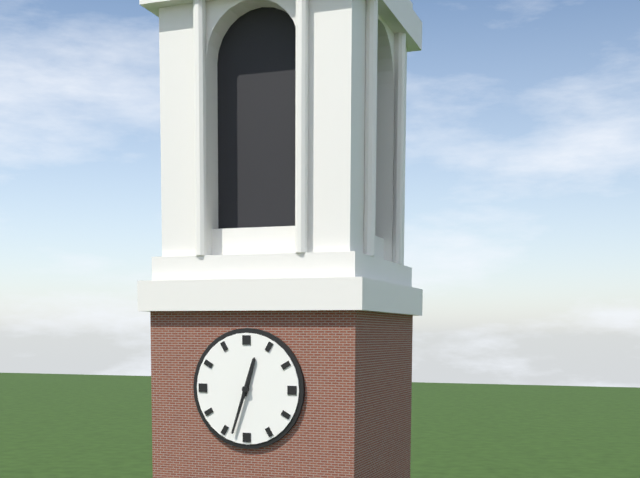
12:33
